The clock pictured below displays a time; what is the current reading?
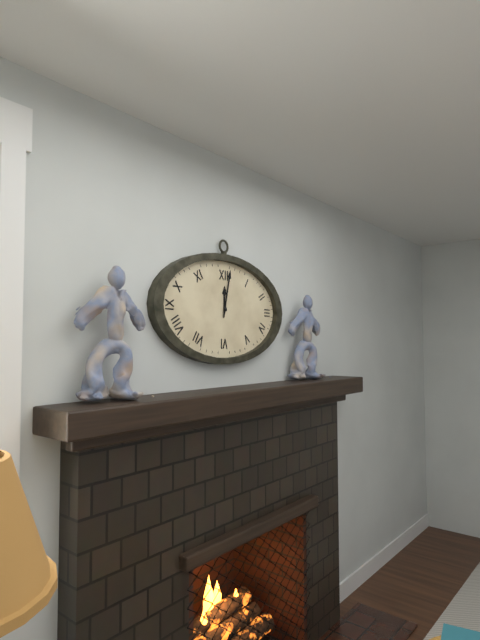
12:02
